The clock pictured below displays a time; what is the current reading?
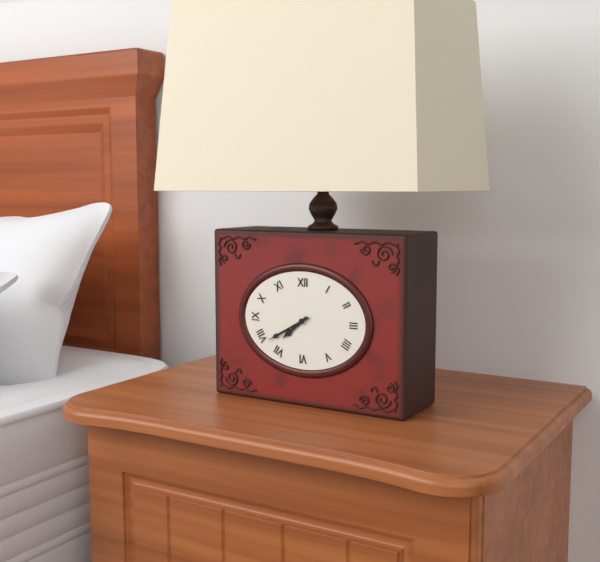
7:40
